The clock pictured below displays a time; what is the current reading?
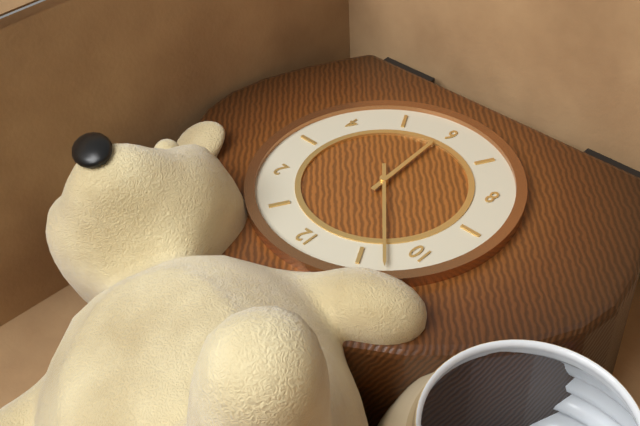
5:53
